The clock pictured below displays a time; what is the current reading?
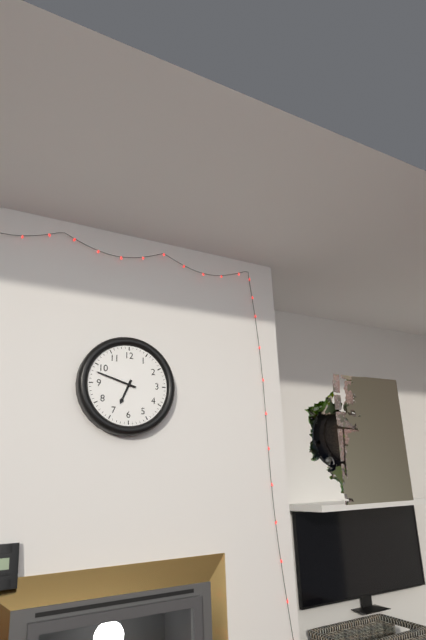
6:48
